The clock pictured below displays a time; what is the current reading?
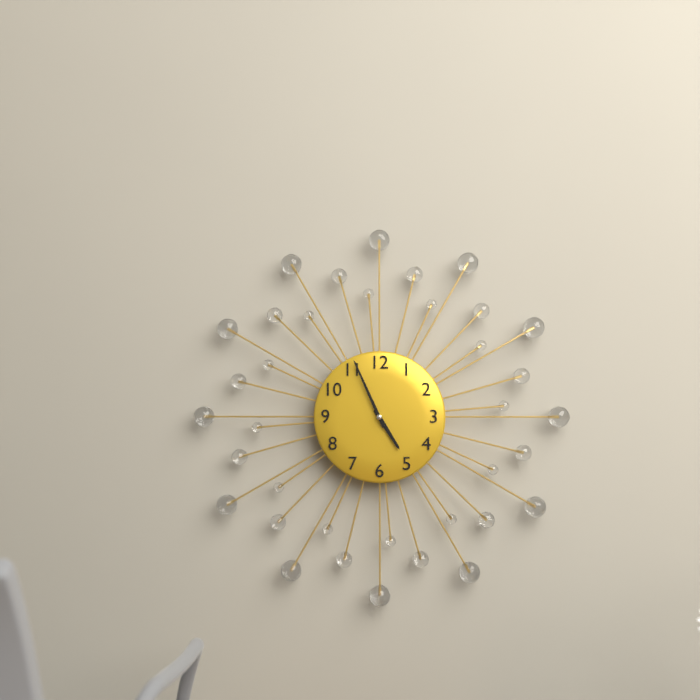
4:56
